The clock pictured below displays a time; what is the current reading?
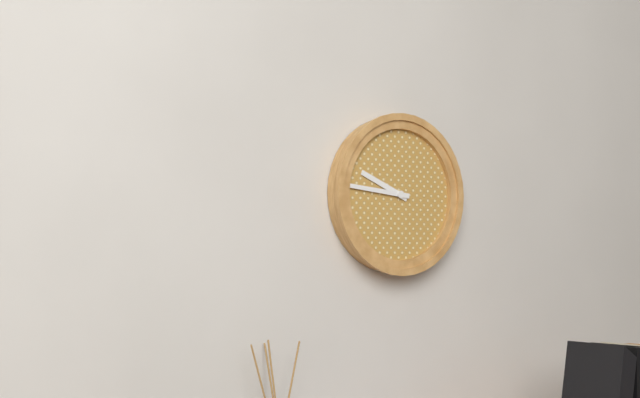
9:46
